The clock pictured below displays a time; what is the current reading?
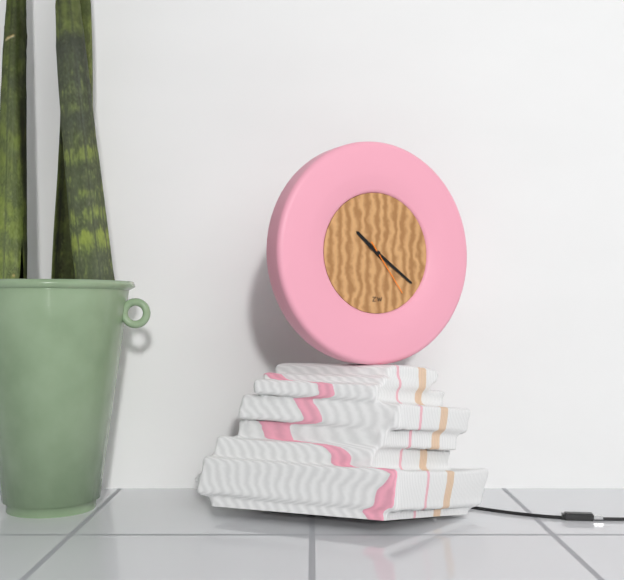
10:21:24
